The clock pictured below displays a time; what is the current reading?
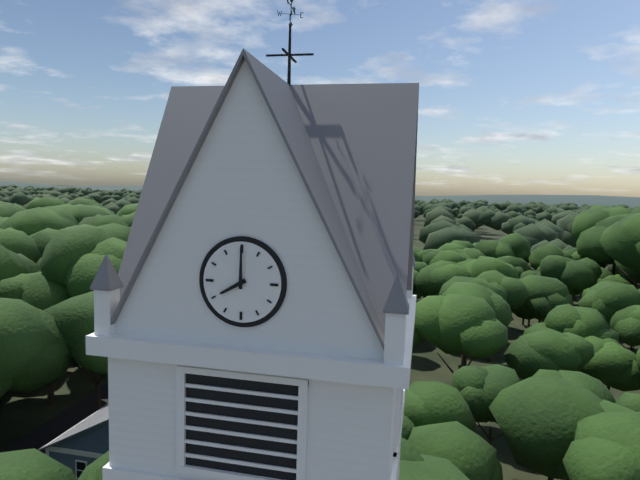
8:00
